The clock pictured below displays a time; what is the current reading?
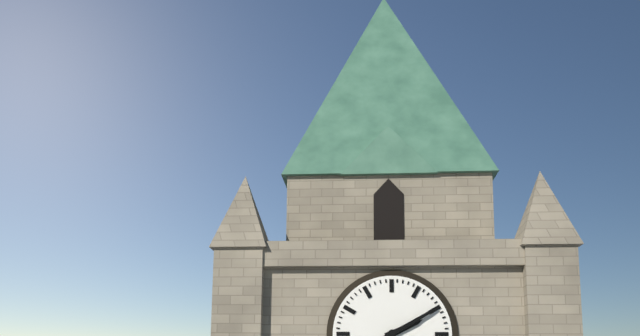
2:10
